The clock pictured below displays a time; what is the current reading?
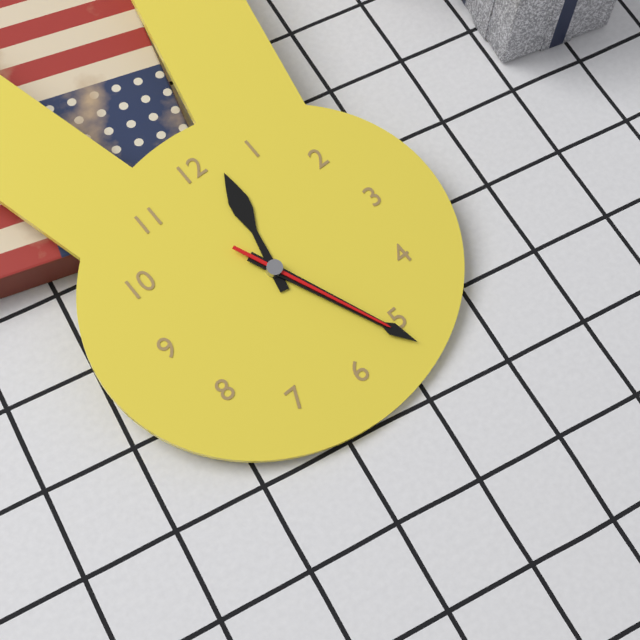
12:26:26
